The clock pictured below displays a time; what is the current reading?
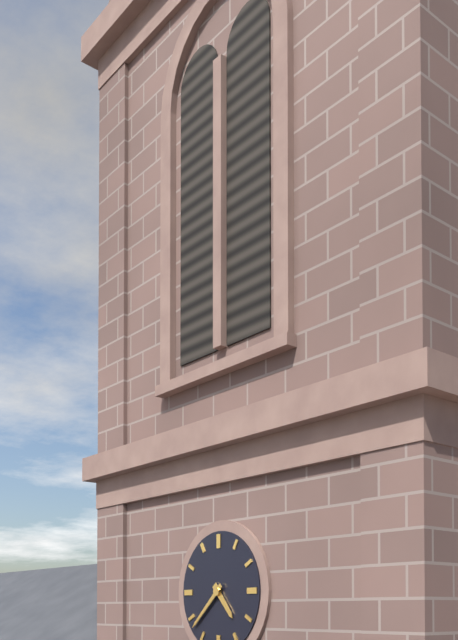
4:38
